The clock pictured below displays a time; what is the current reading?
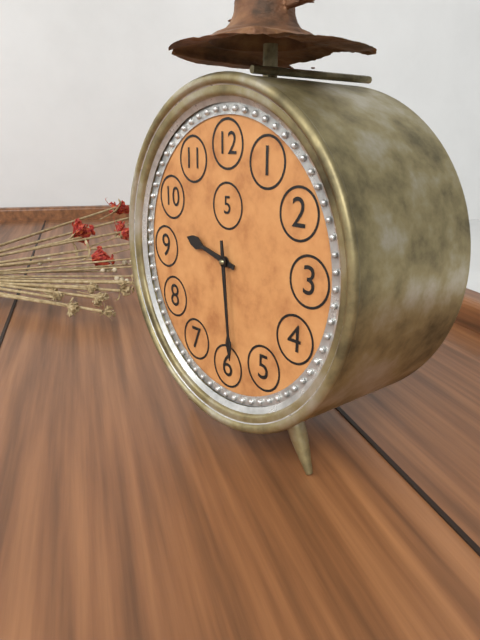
9:29
